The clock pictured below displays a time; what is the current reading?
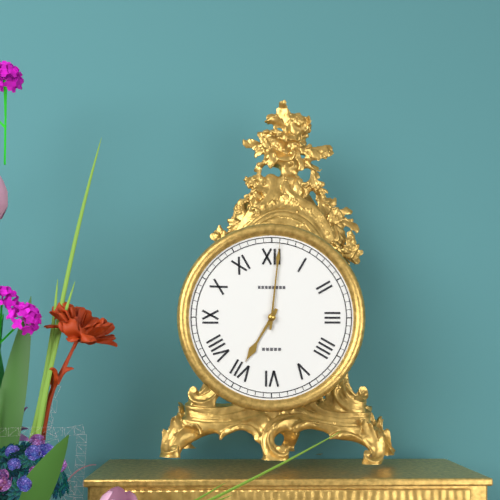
7:01
